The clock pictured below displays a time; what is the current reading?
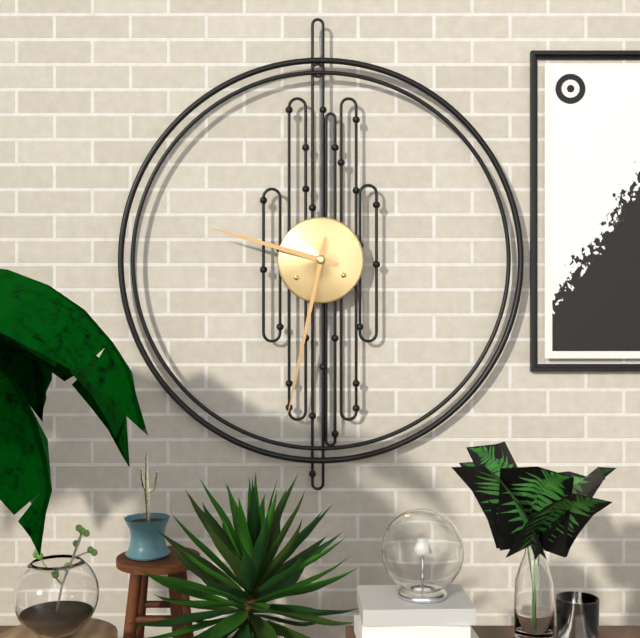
9:32
